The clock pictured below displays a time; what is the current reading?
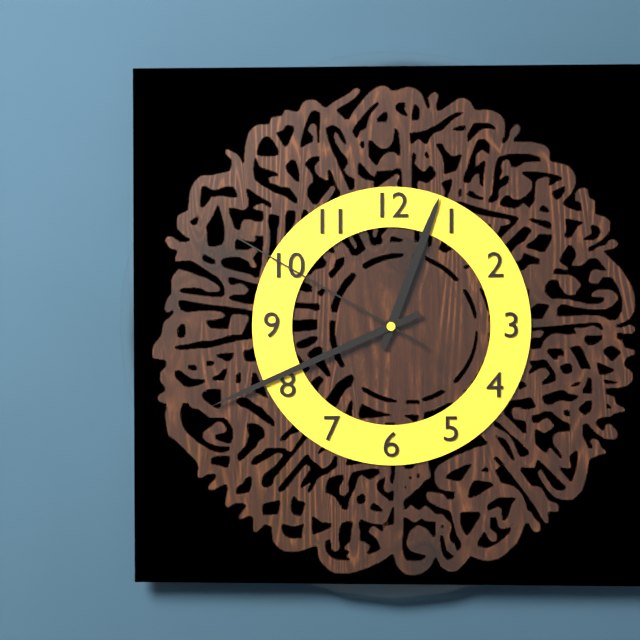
12:41:50
